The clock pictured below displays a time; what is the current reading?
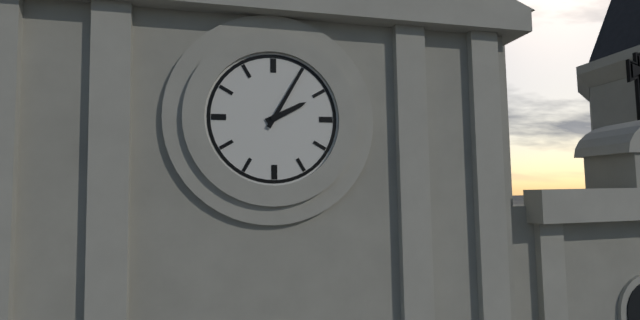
2:05
